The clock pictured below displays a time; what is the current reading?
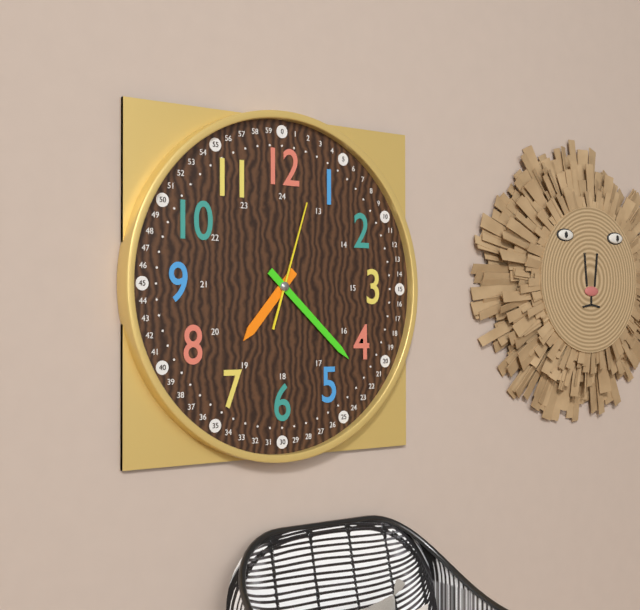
7:22:03
